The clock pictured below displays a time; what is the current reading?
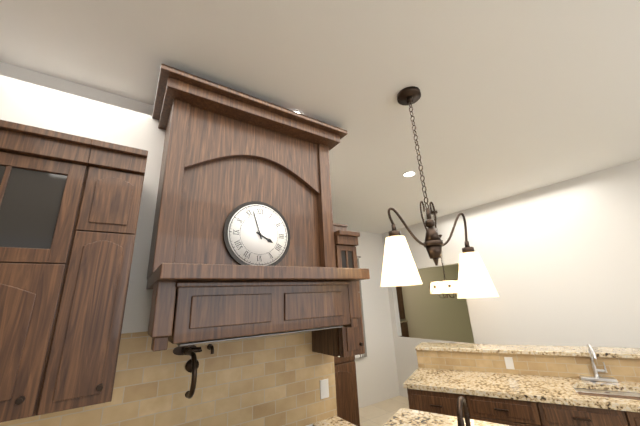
3:57
